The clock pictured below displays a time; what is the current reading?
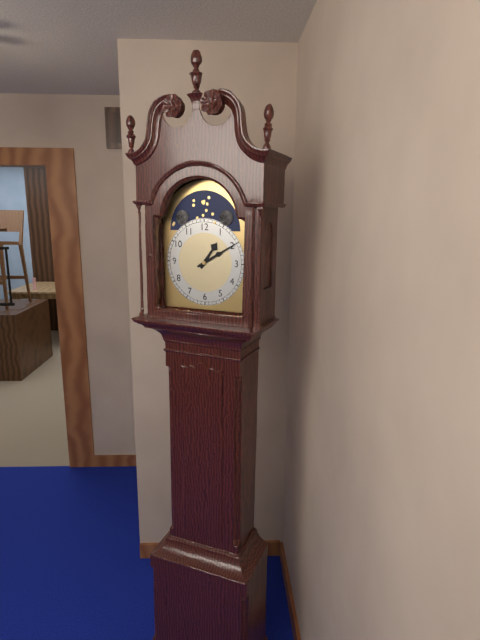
1:10
